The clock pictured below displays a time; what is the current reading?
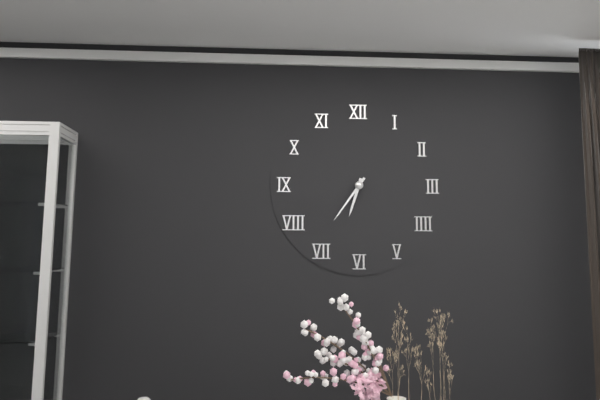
6:36
